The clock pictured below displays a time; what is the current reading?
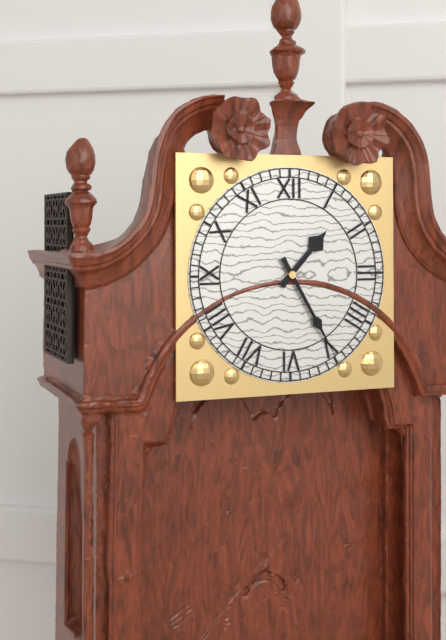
1:25
